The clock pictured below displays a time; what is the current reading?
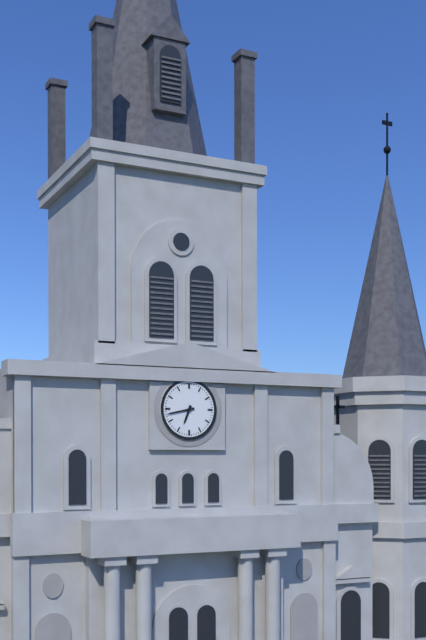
6:43
